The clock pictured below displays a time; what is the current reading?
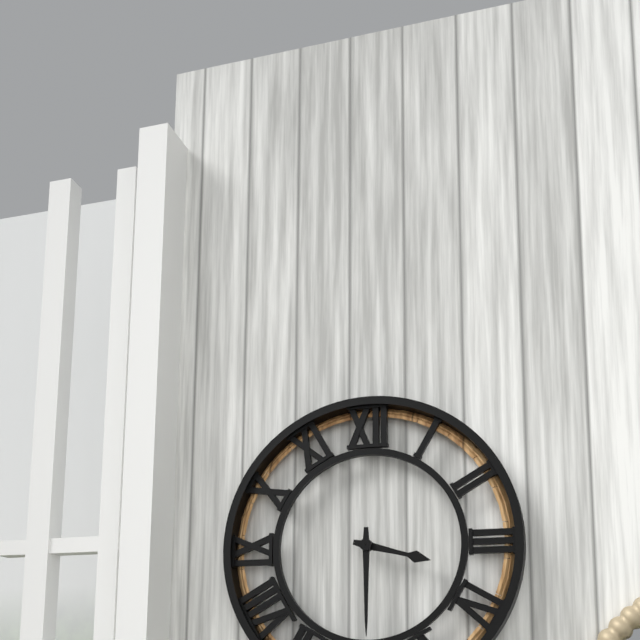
3:30
